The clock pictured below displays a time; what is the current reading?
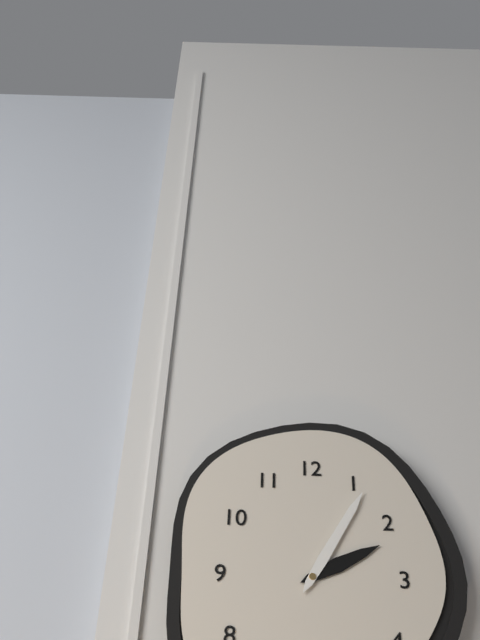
2:05
